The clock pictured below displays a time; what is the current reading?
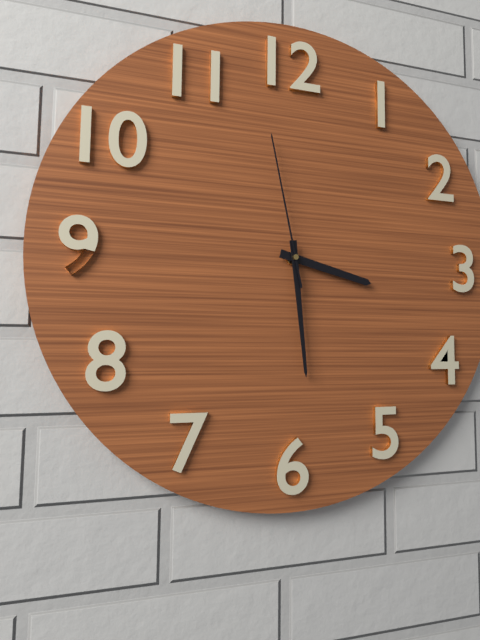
3:29:58
